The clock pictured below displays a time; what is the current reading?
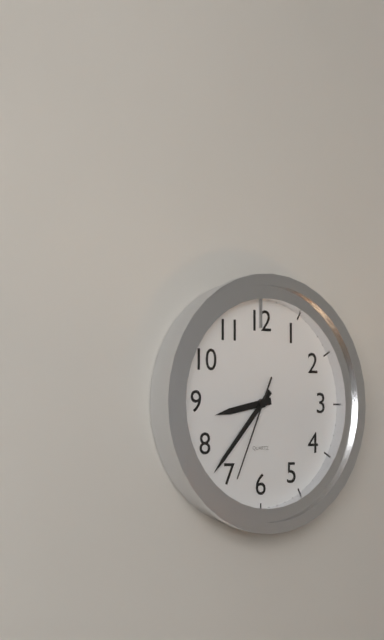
8:37:34
